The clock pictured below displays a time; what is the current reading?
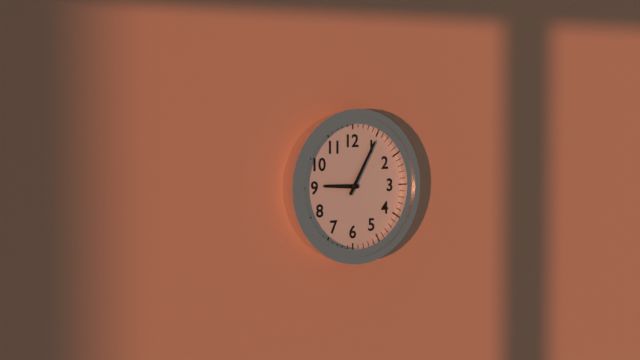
9:05
